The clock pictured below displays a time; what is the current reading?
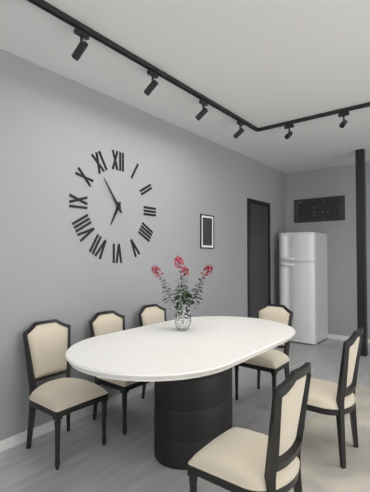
6:54
